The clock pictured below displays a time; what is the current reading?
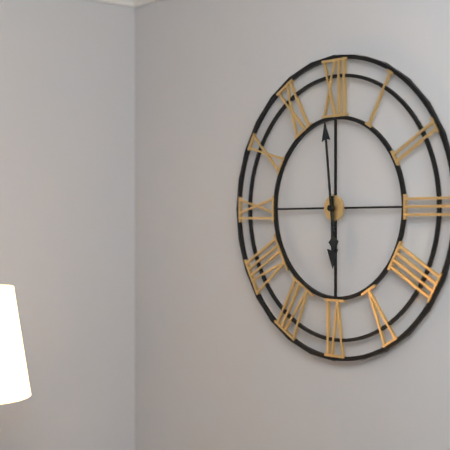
5:59
